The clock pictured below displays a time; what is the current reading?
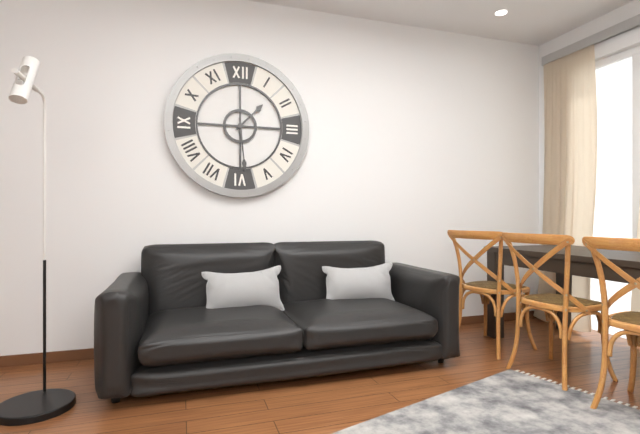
1:29
